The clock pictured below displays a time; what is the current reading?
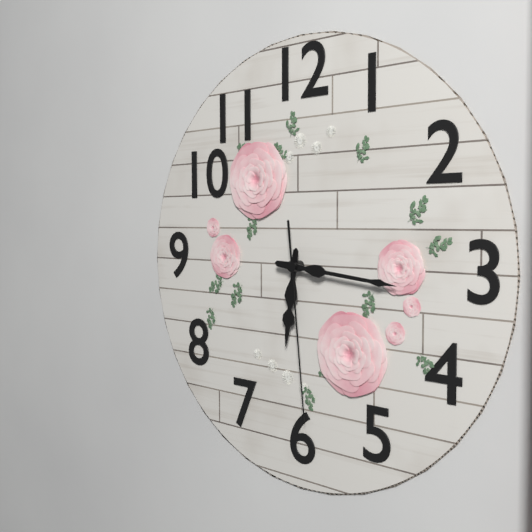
6:16:29
